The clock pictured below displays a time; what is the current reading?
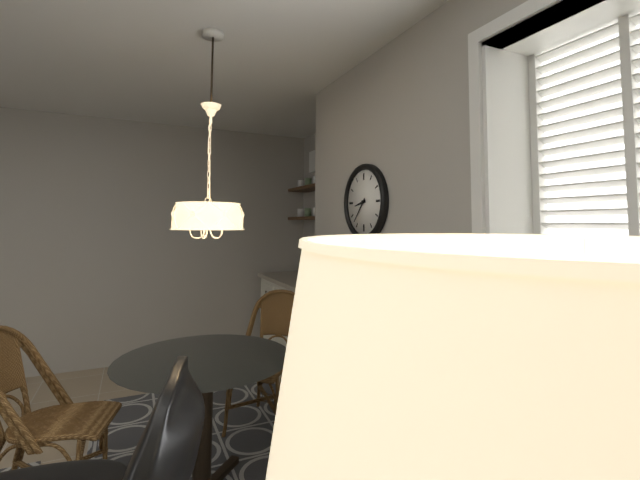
8:37
